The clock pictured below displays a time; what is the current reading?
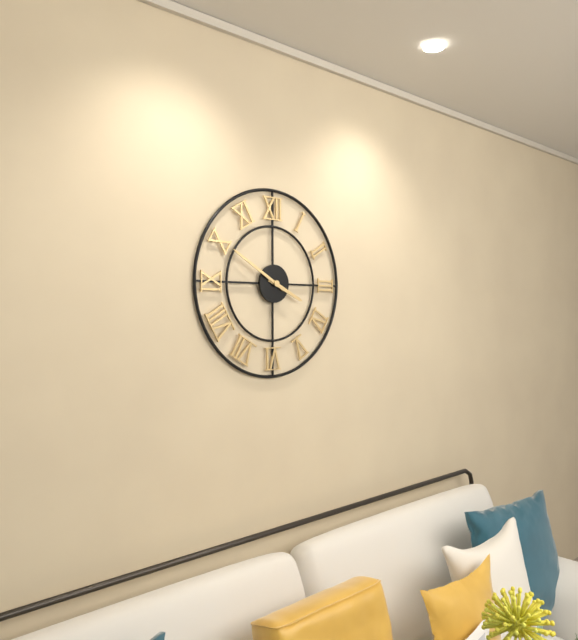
3:50
